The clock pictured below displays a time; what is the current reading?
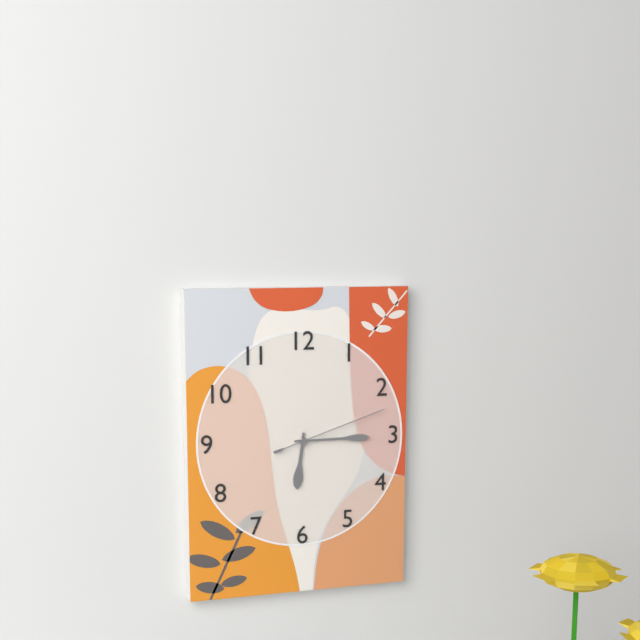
6:15:12
